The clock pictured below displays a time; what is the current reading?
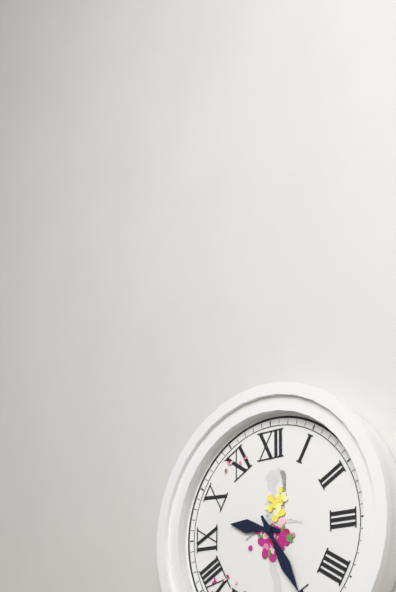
9:25
